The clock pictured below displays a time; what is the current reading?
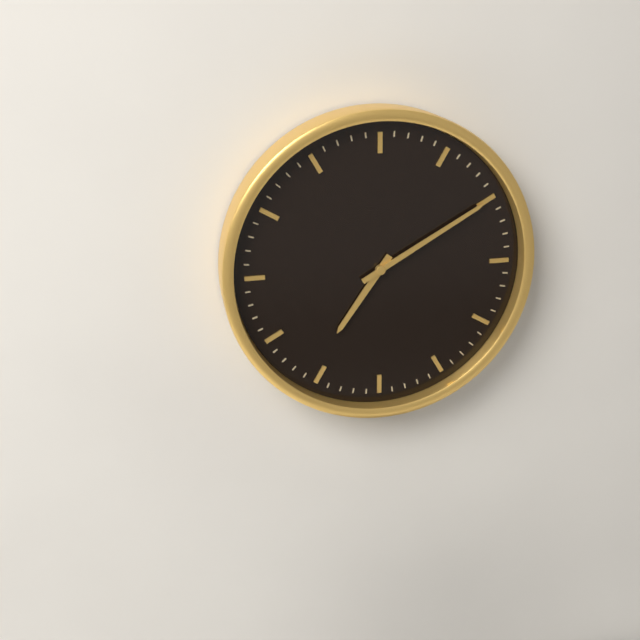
7:10
